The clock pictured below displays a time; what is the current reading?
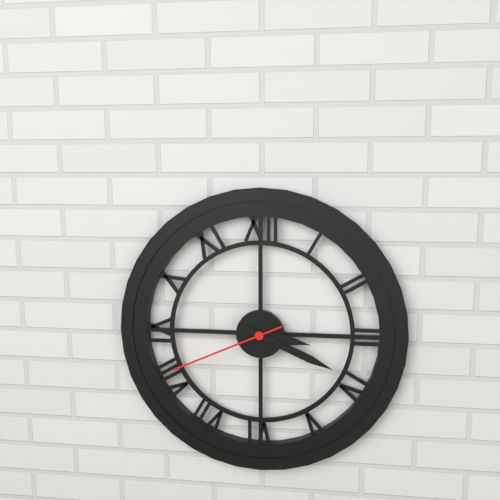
3:19:41
